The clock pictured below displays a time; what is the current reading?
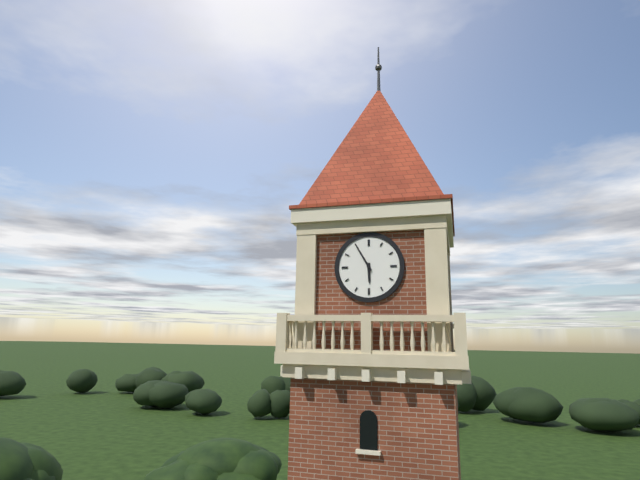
5:55
